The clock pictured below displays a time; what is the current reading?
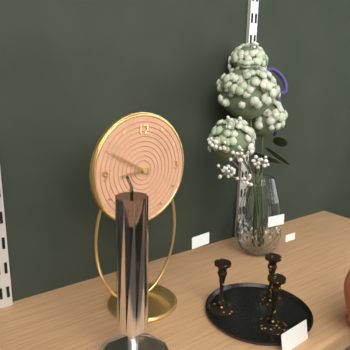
8:50
